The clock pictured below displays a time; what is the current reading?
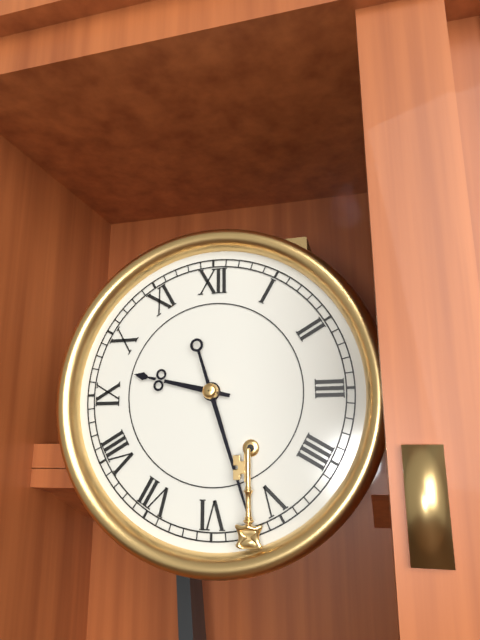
9:27
